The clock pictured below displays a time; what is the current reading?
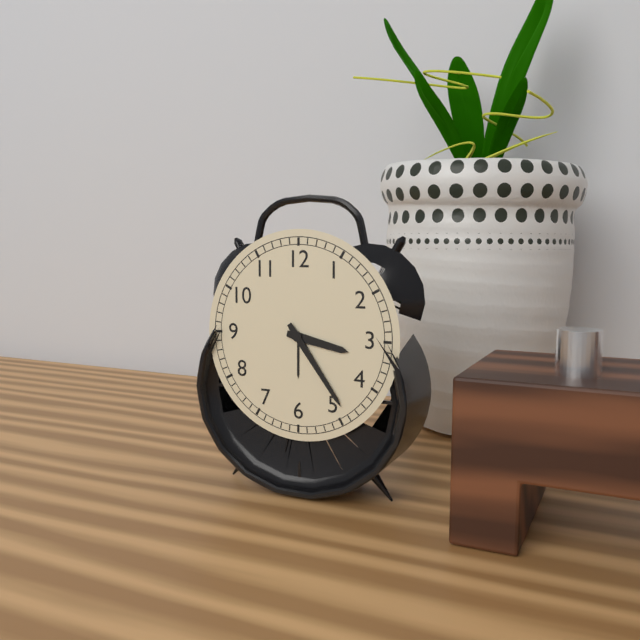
3:24
